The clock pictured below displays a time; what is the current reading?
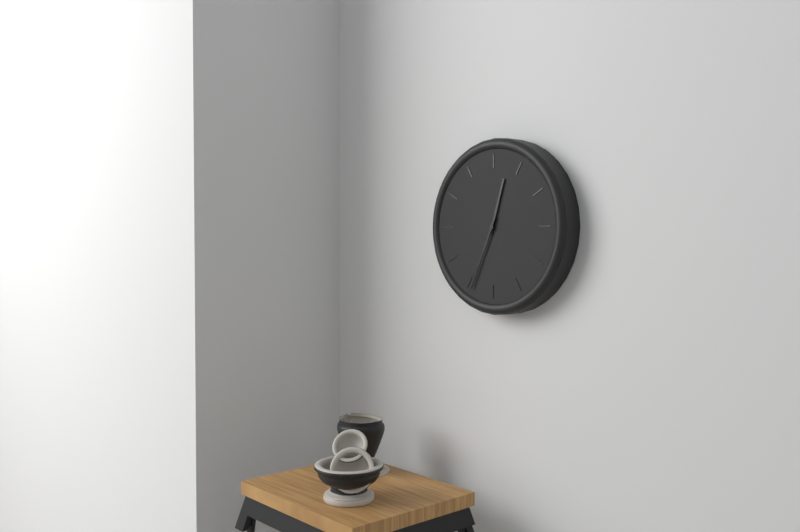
12:34
